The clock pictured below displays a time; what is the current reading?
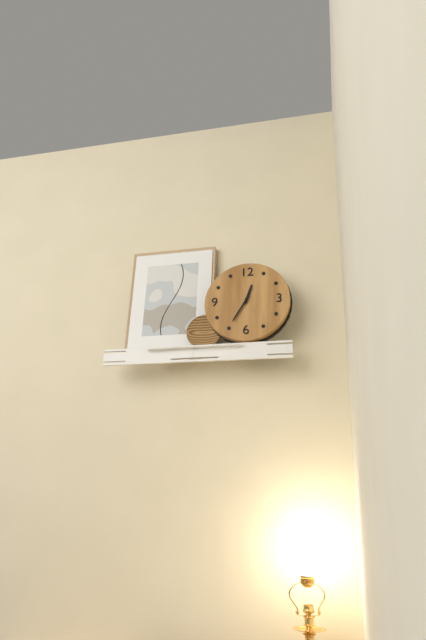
12:35
